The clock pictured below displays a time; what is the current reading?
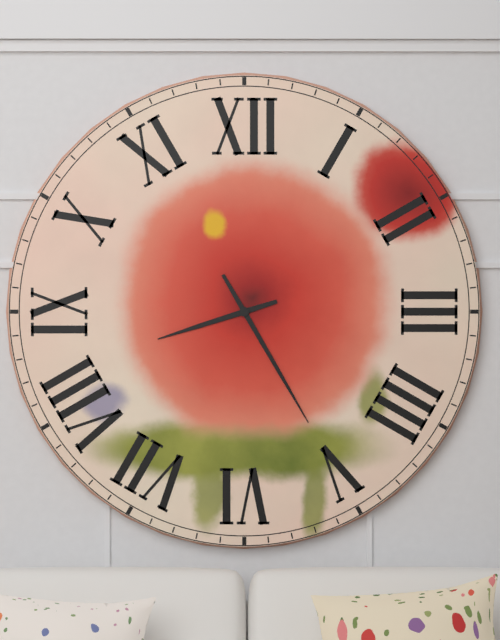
8:25
